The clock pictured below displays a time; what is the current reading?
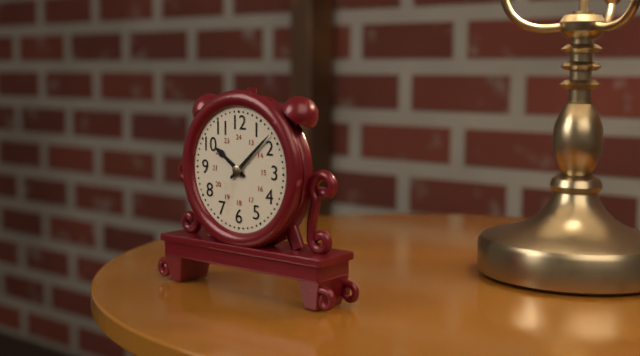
10:08
